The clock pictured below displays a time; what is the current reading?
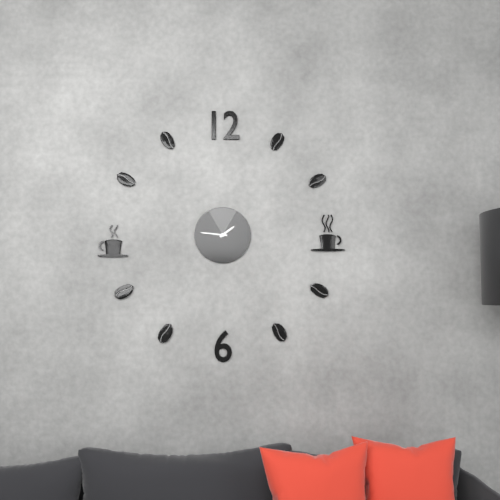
1:46
